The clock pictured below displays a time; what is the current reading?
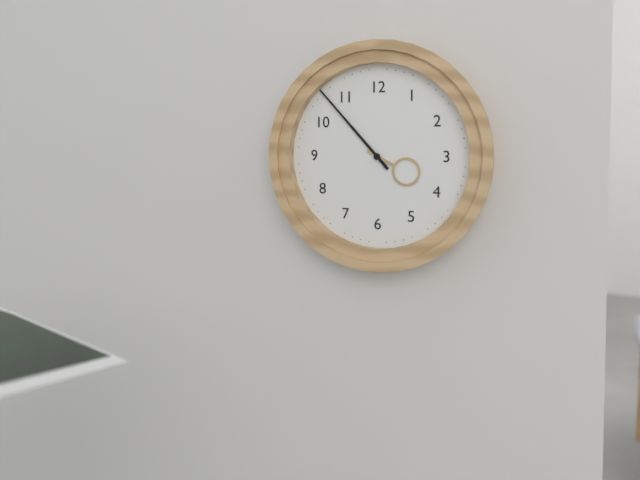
3:53
